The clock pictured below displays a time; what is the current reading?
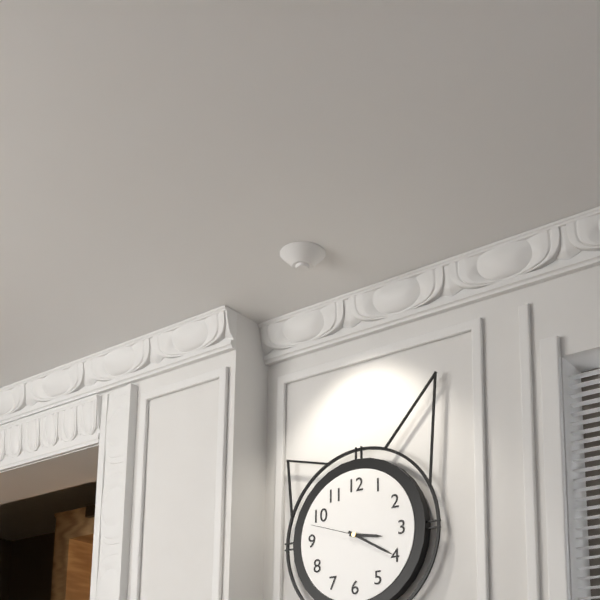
3:20:48
